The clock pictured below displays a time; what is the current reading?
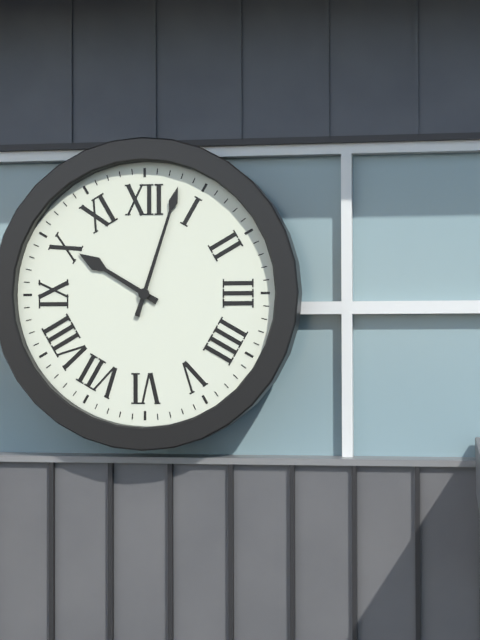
10:03
